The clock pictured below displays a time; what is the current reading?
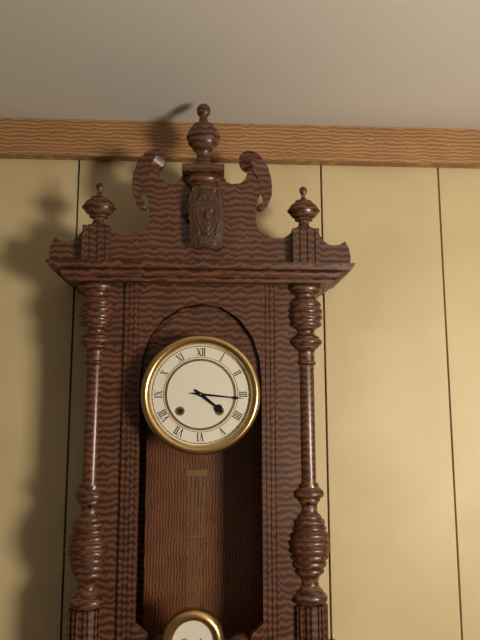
4:16
